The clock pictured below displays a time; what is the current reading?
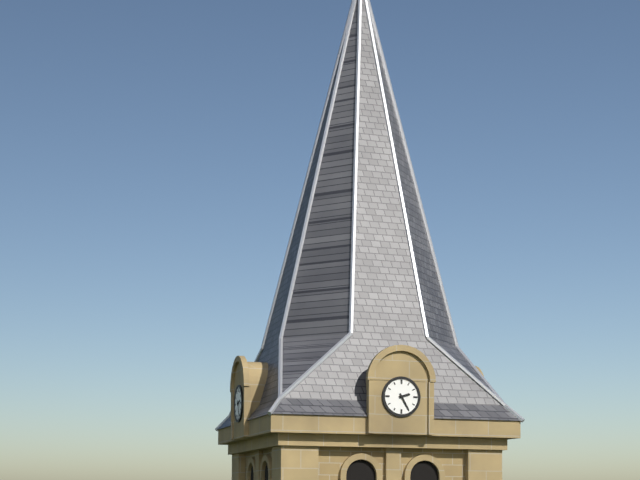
2:25
